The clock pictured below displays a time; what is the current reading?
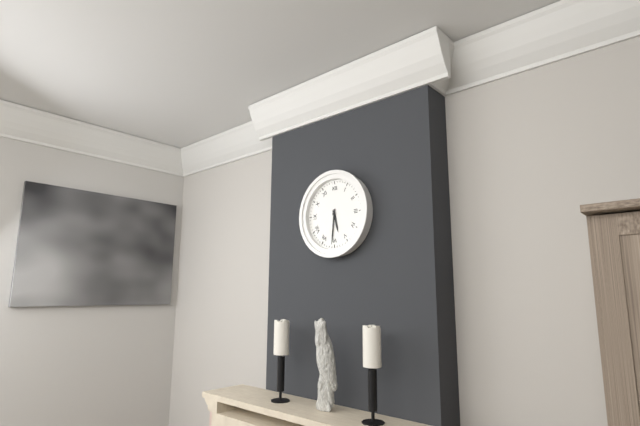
5:31
